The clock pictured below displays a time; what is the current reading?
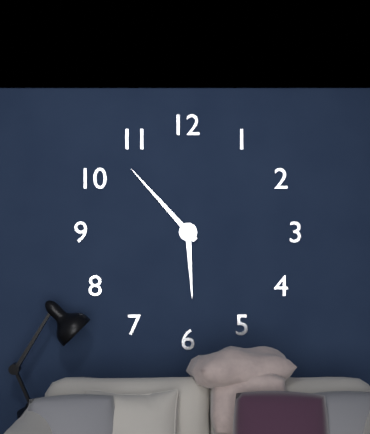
5:53
